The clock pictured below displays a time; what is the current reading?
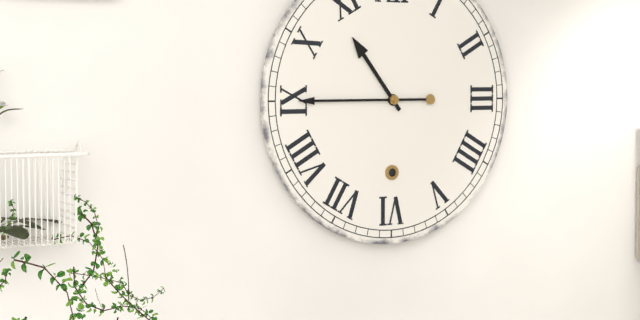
10:45
